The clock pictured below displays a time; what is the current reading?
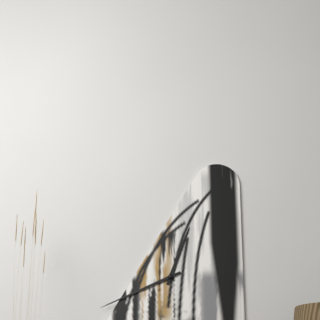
12:41
